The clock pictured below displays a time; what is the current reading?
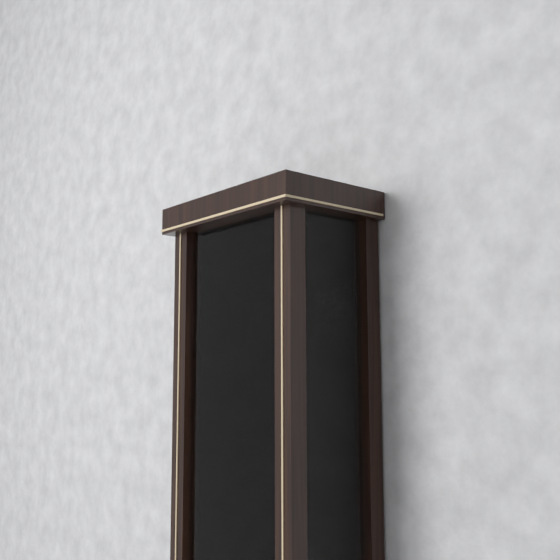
3:33
